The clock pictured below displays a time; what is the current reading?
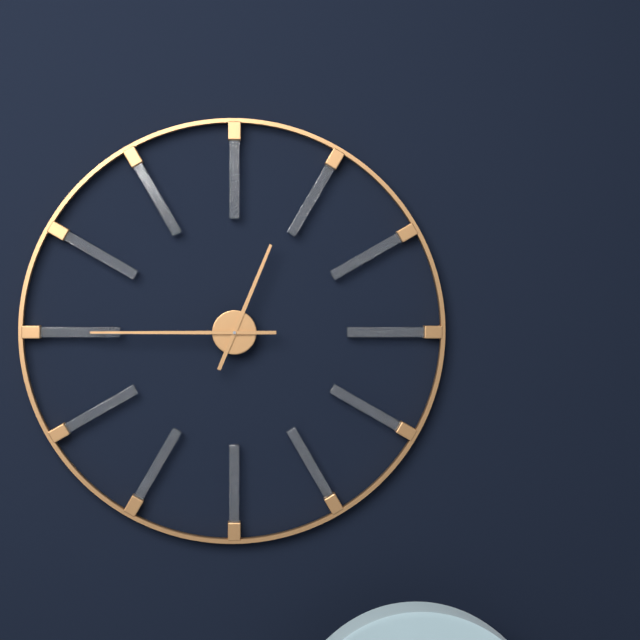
12:45
